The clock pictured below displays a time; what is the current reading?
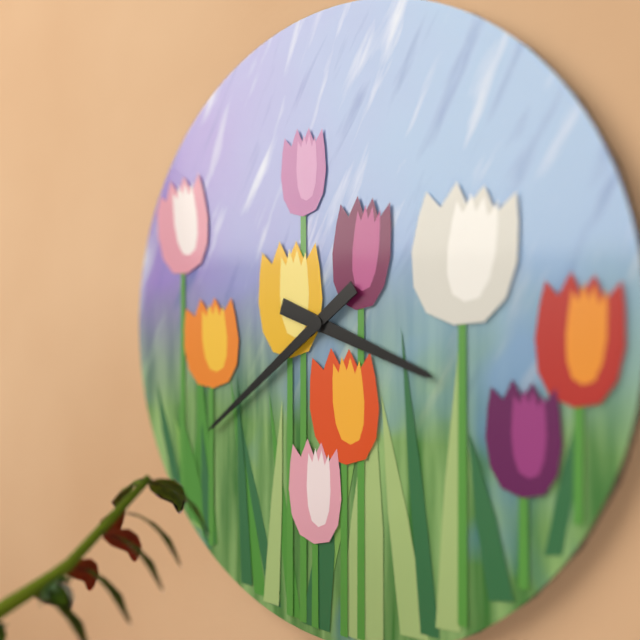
3:39
